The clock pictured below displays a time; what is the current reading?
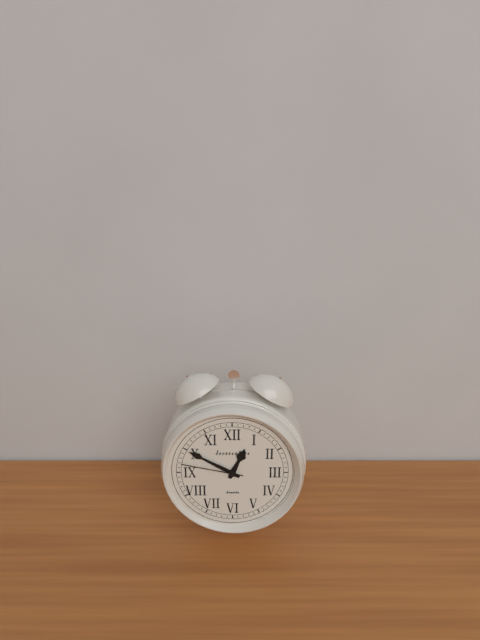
12:50:47
